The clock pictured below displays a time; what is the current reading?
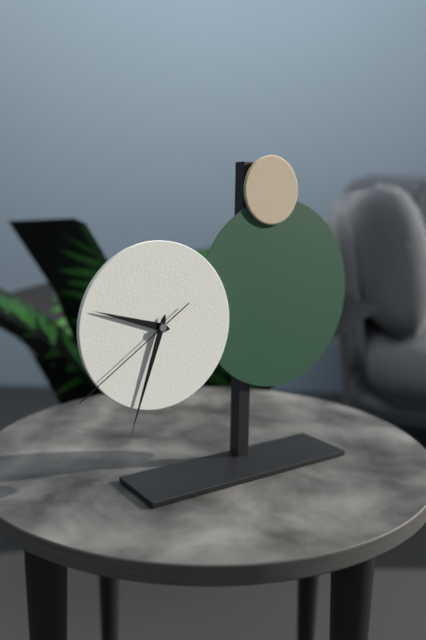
9:33:39
